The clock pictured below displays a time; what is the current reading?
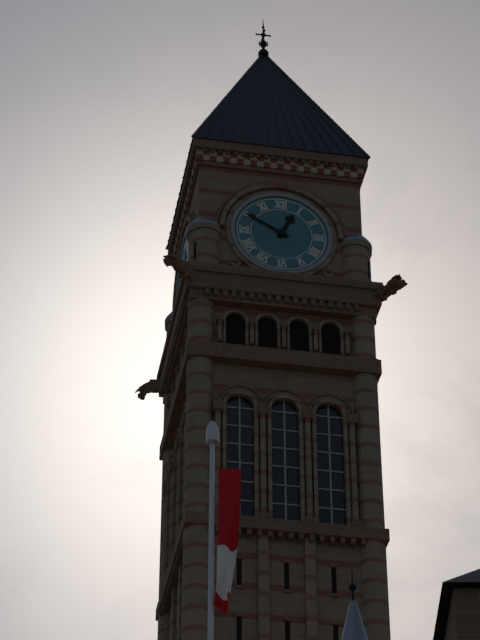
12:50
